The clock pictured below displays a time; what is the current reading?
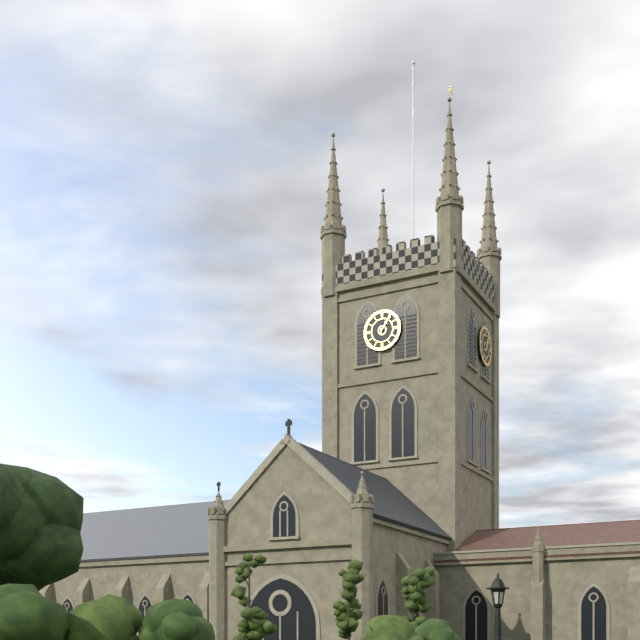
1:06
